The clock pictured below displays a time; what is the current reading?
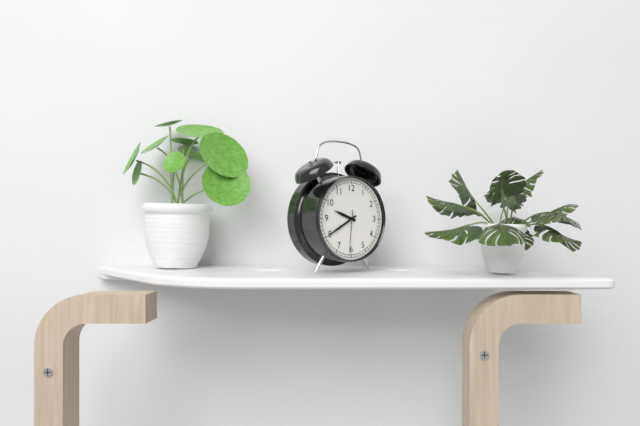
9:40
